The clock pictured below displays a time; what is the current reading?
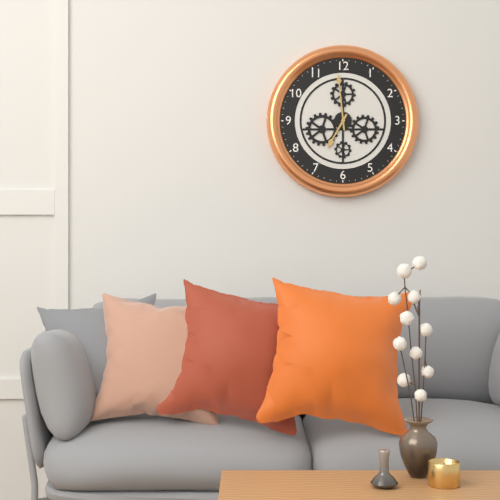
6:59
